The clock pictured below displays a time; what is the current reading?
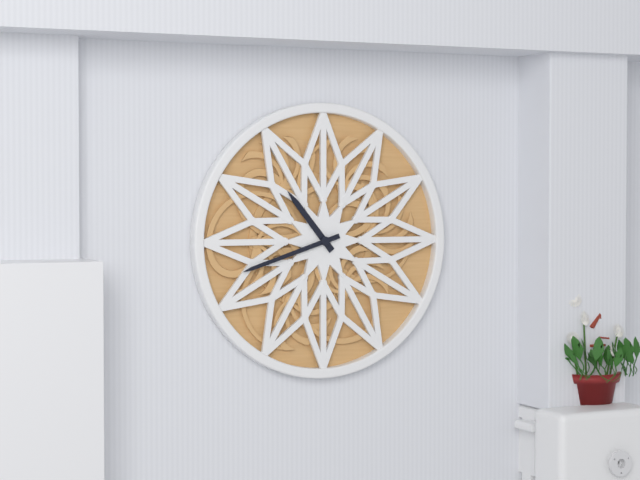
10:42
